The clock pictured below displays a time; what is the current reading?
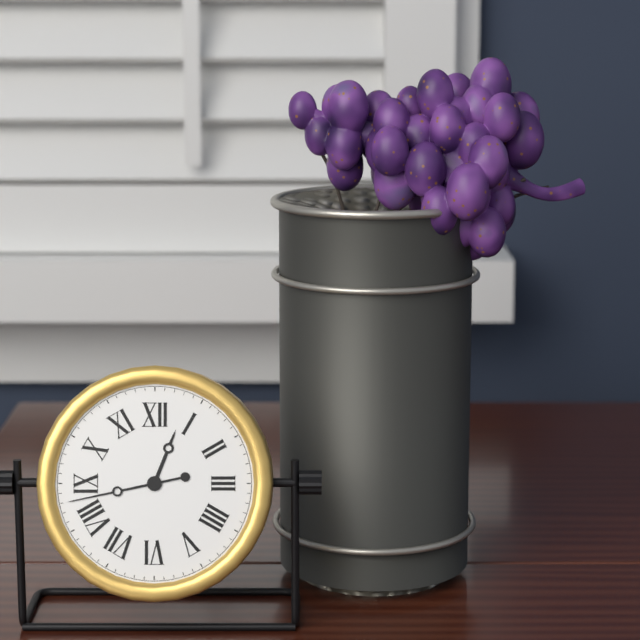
12:43
